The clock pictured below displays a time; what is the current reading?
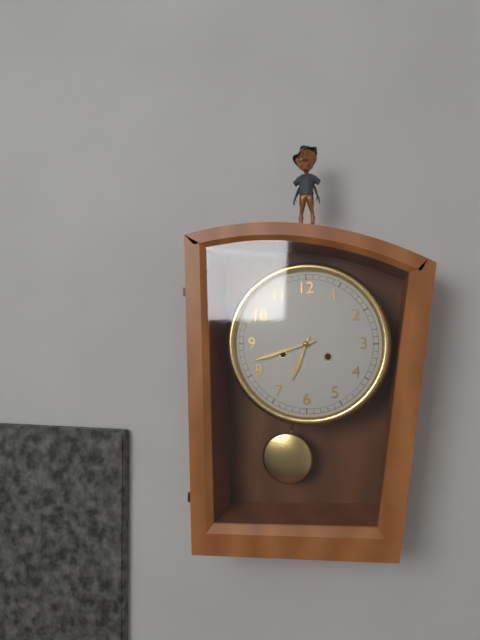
6:42
